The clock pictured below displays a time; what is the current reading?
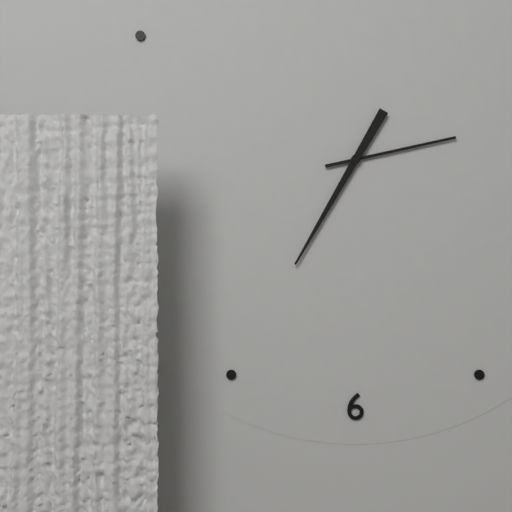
2:35
